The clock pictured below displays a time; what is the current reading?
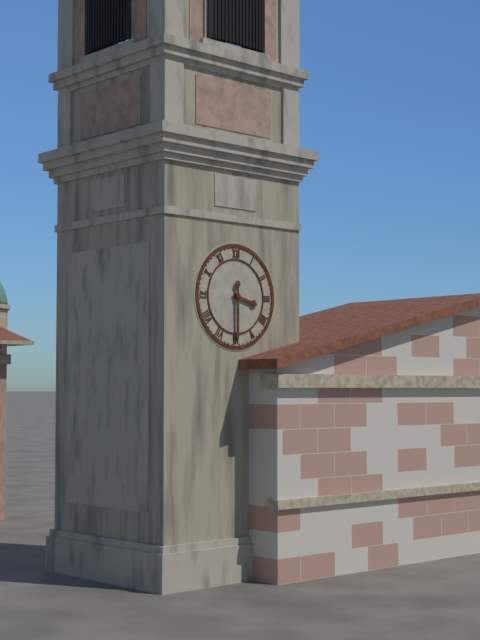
3:30
